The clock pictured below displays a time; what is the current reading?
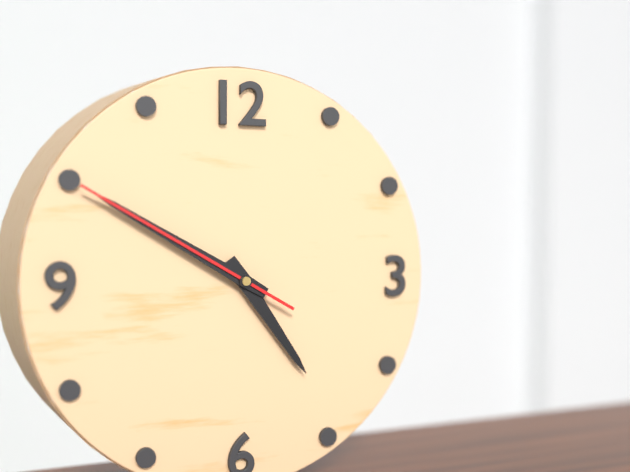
4:50:50
